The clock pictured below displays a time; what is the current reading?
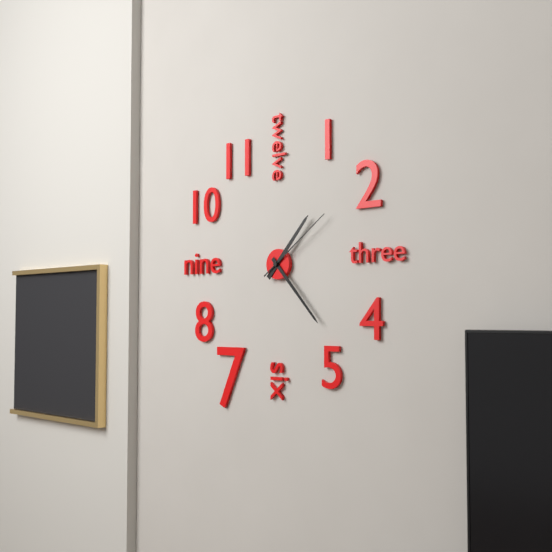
1:23:09
